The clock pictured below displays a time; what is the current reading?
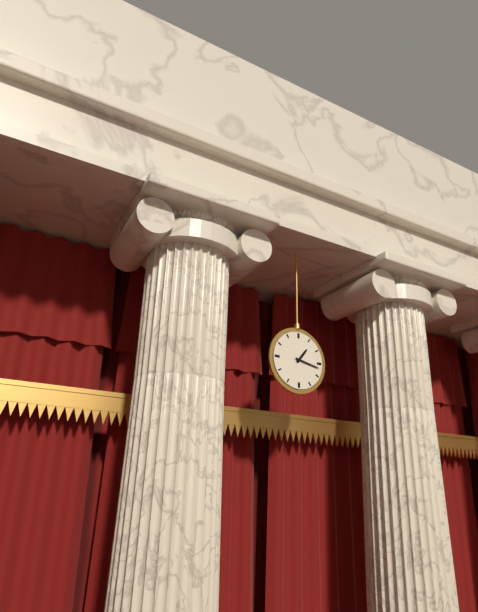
1:17
